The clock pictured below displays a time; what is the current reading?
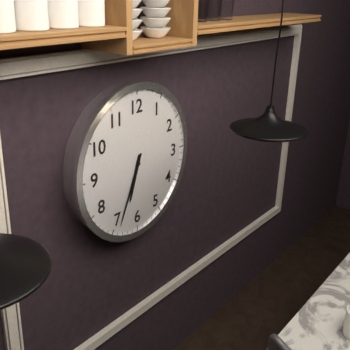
6:34
